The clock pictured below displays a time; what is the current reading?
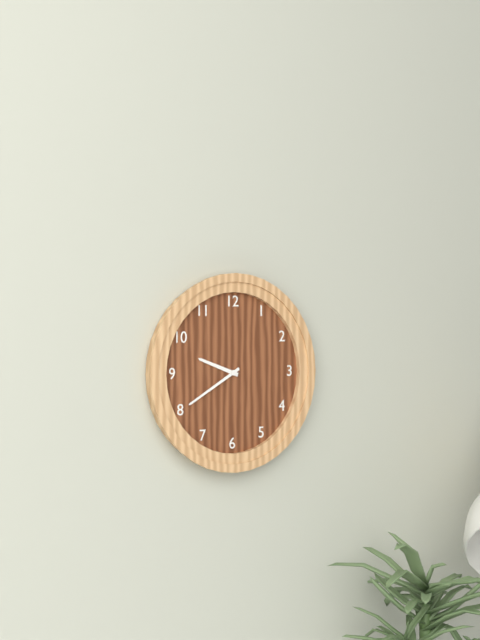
9:40
